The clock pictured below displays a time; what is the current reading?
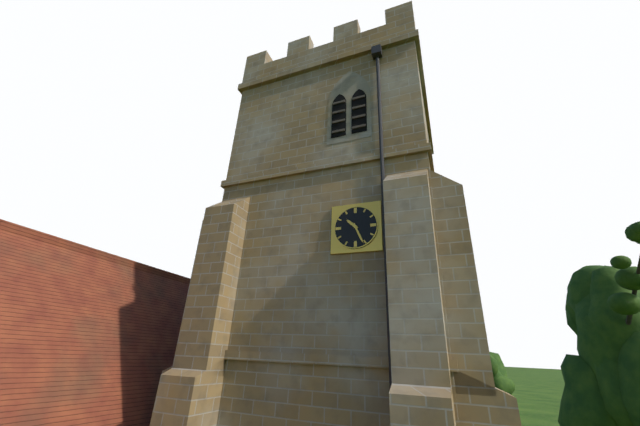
10:26
